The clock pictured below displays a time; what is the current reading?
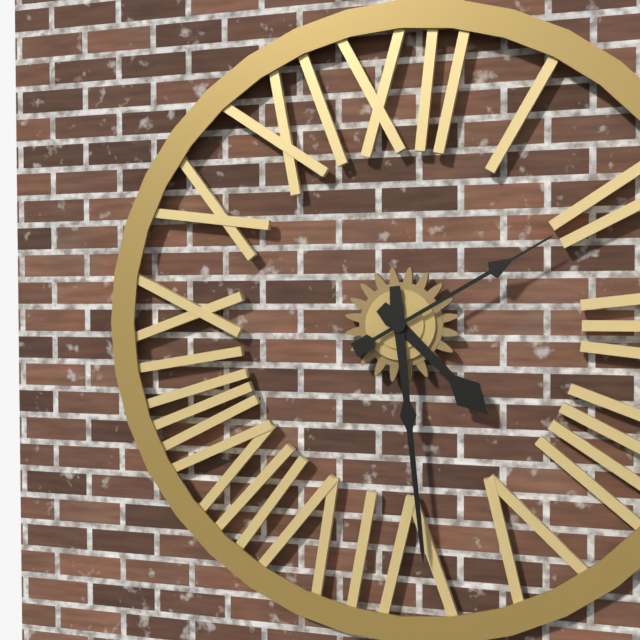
4:29:10
